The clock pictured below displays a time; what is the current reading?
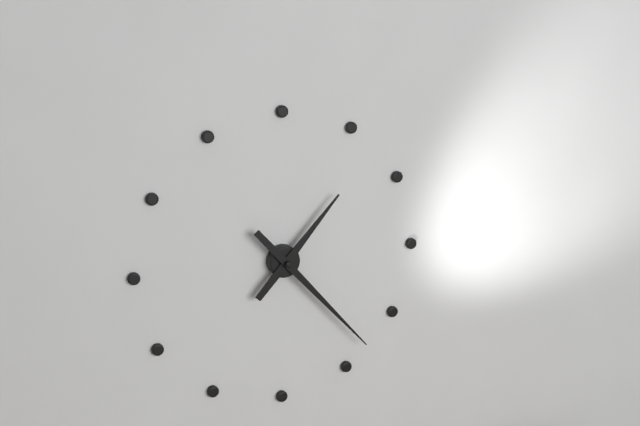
1:23
